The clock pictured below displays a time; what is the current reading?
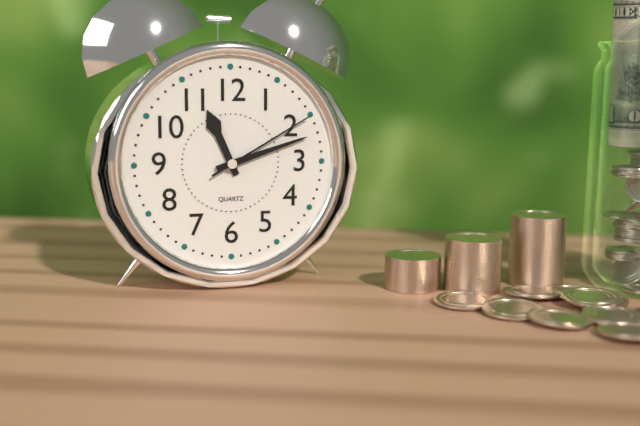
11:12:10
